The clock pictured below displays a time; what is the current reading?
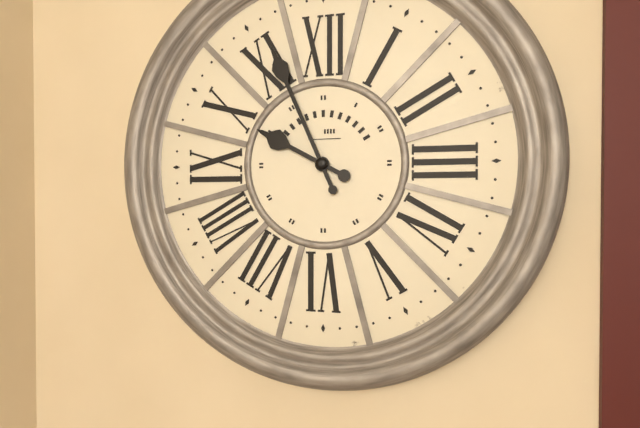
9:56
